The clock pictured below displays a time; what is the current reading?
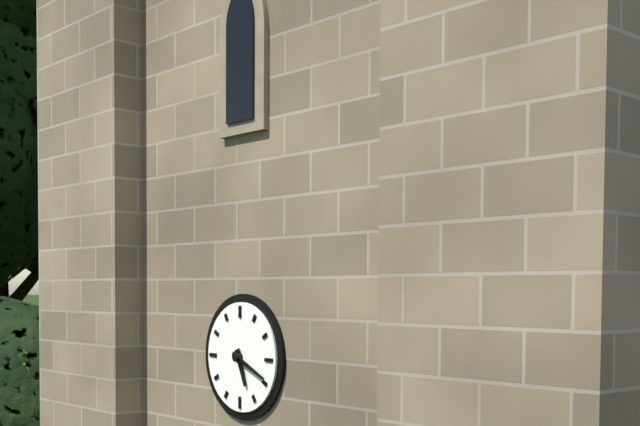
5:19
